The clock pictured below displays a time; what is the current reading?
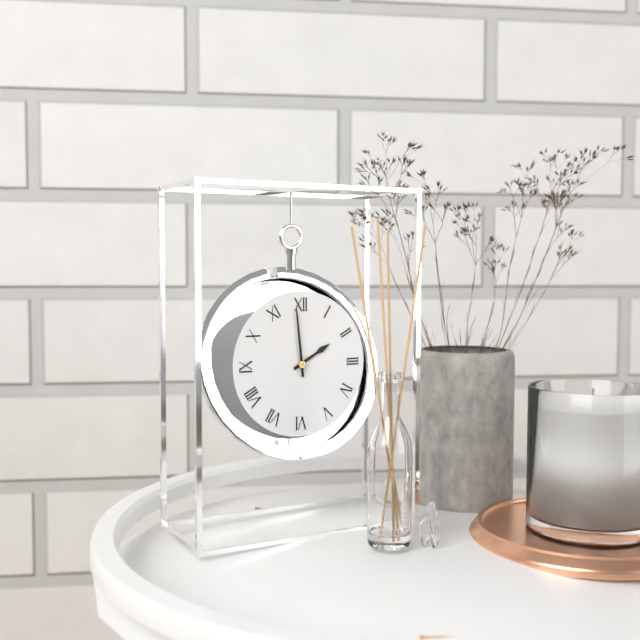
1:59
